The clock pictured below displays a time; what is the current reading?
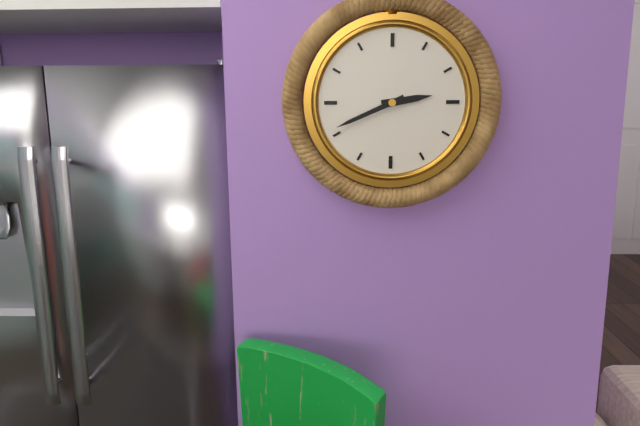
2:41
